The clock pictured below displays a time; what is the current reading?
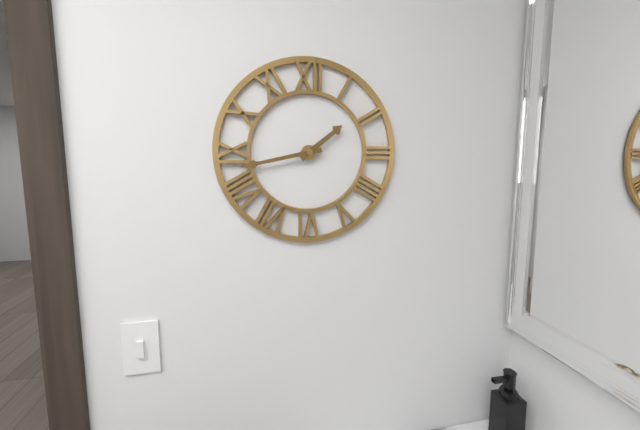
1:43
